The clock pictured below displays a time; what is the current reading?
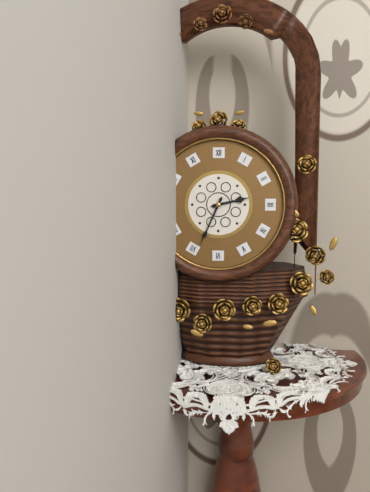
2:34
